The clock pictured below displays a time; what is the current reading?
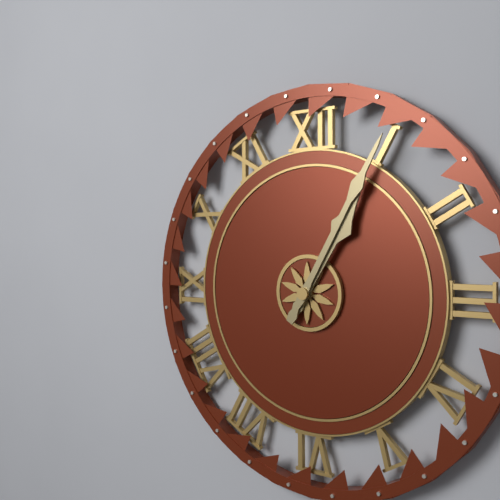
1:05
